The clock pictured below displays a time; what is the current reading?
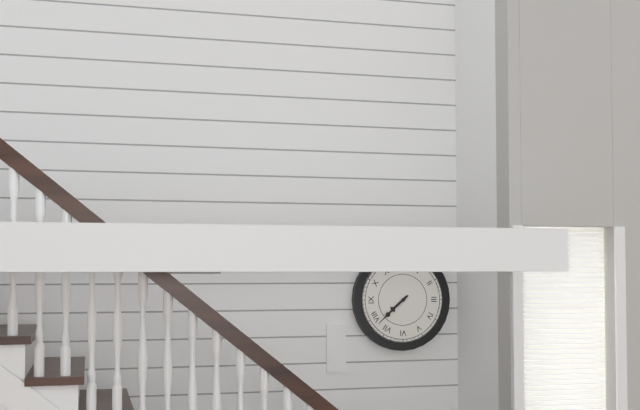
7:38
